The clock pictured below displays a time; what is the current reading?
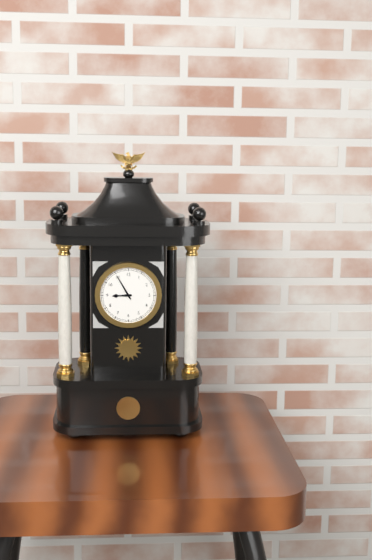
8:55
